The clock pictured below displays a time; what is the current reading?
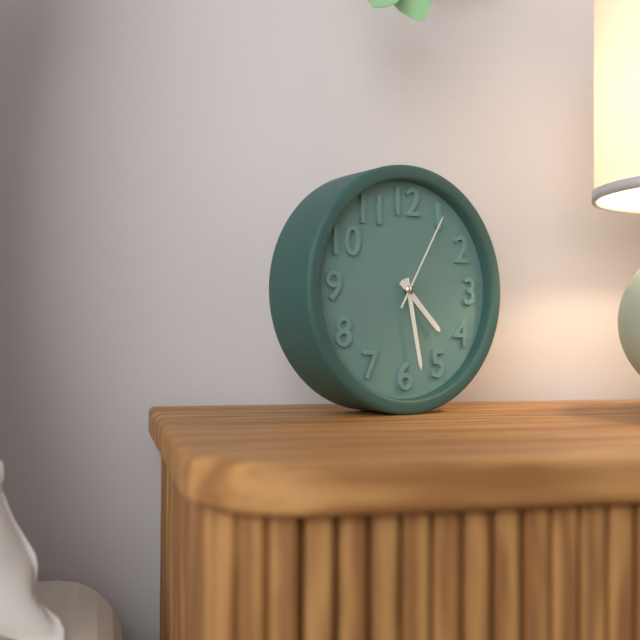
4:28:05
